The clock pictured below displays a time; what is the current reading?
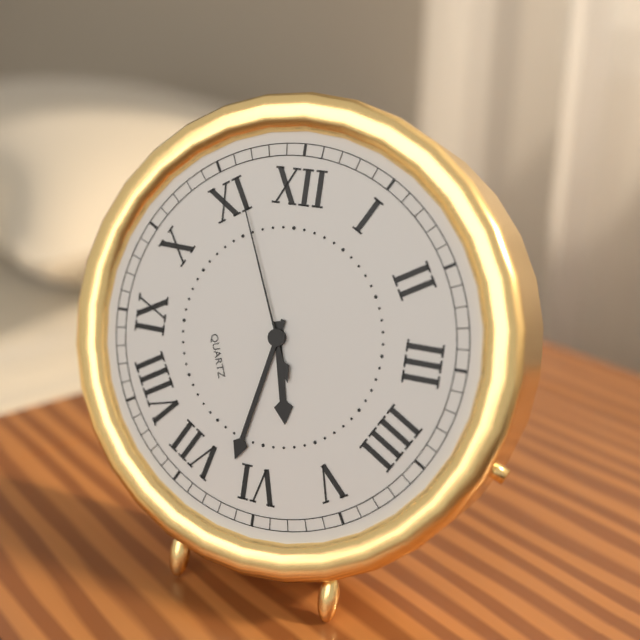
5:32:56
